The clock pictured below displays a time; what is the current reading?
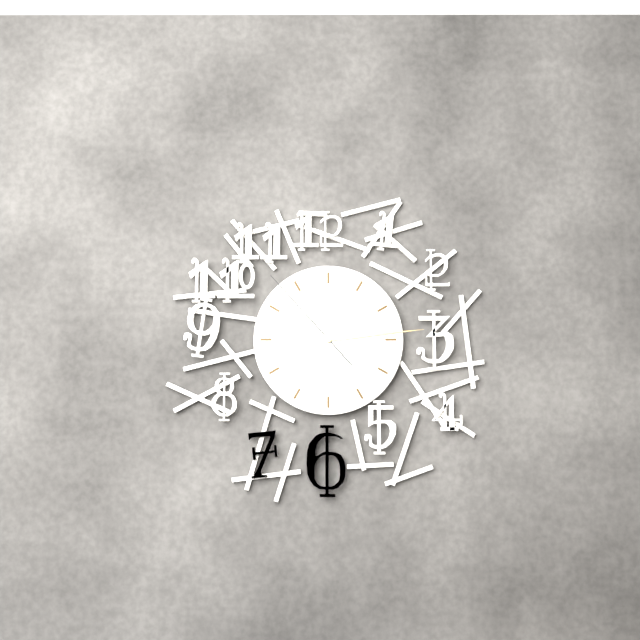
8:14:53
